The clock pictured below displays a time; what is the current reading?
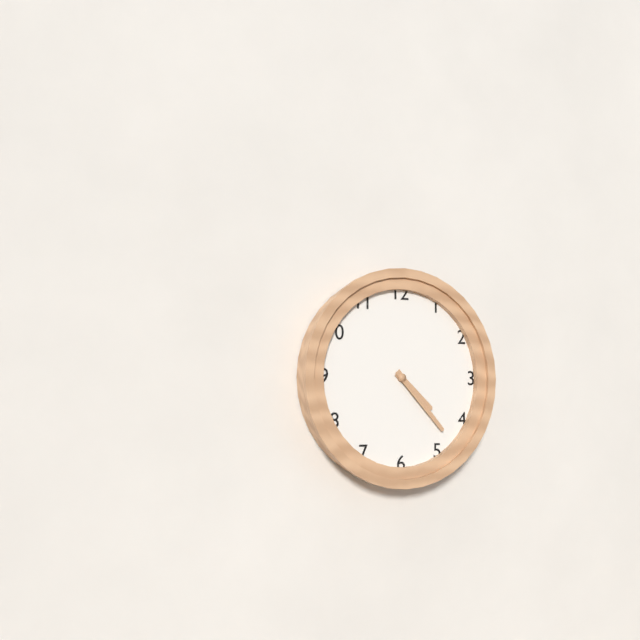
4:23
